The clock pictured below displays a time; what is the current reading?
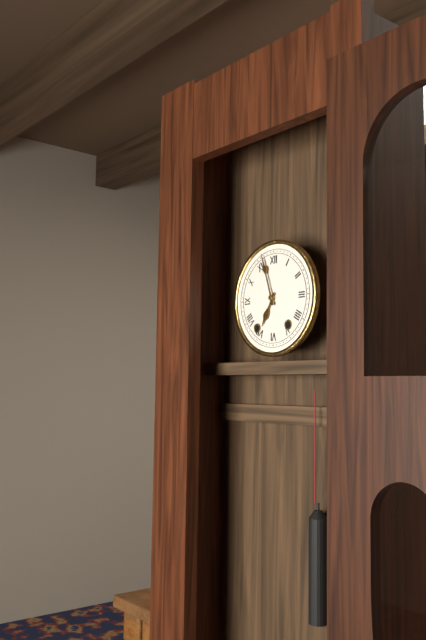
6:57
